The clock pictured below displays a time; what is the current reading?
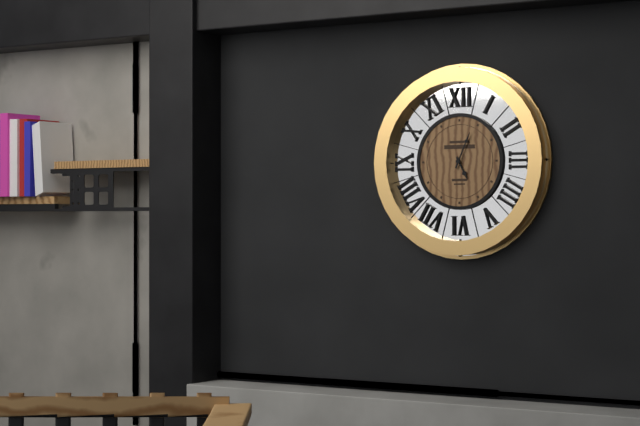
5:04
